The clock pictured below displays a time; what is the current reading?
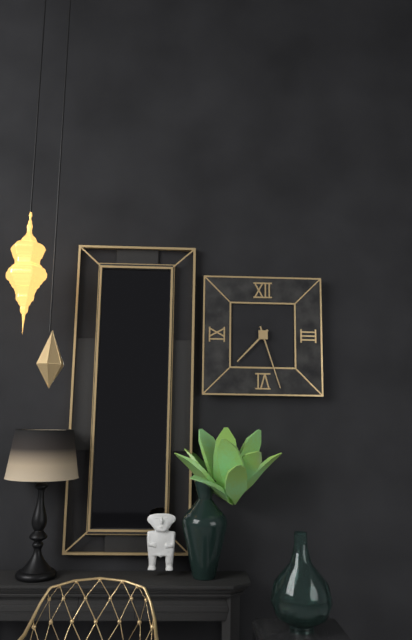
7:27
